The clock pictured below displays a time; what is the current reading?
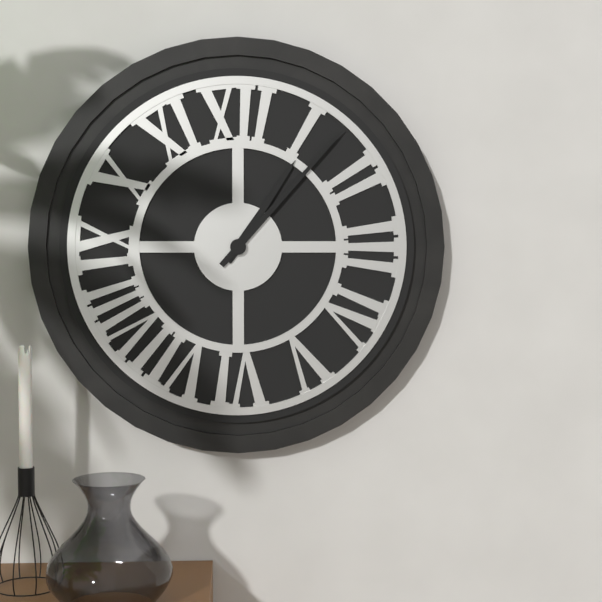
1:07
